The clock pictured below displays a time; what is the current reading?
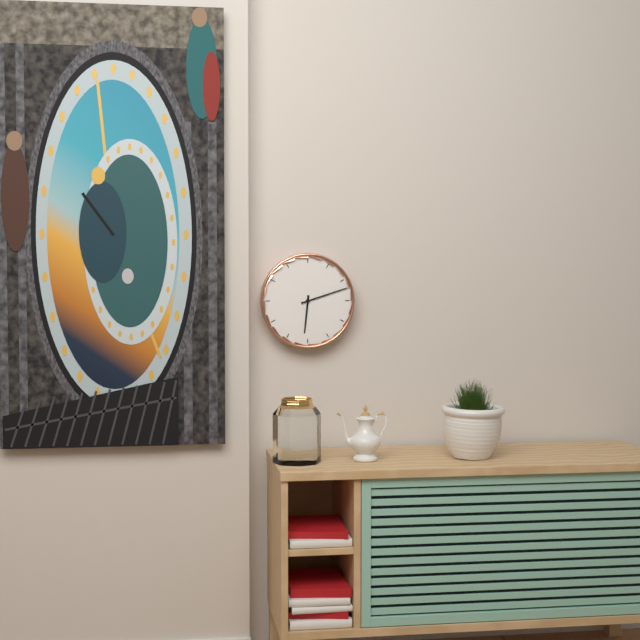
6:12
